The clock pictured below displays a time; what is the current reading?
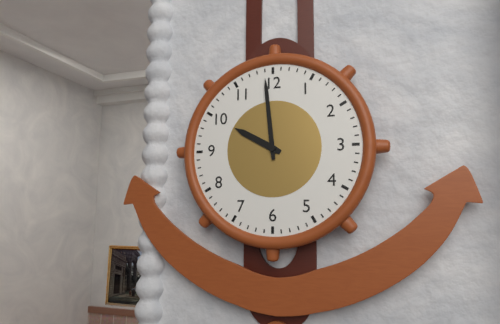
9:59
